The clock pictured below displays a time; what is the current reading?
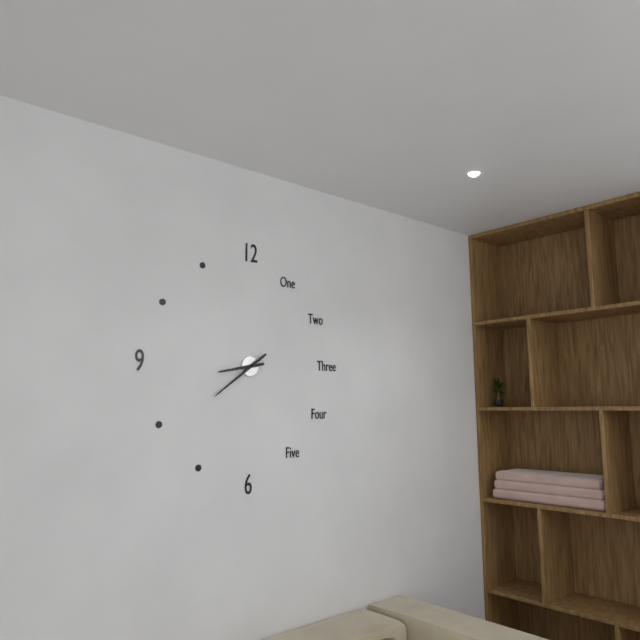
8:39
